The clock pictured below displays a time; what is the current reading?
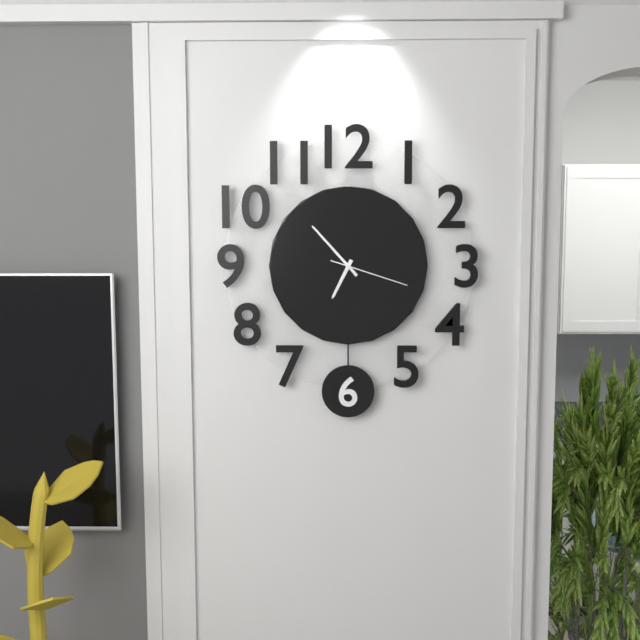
6:53:18
